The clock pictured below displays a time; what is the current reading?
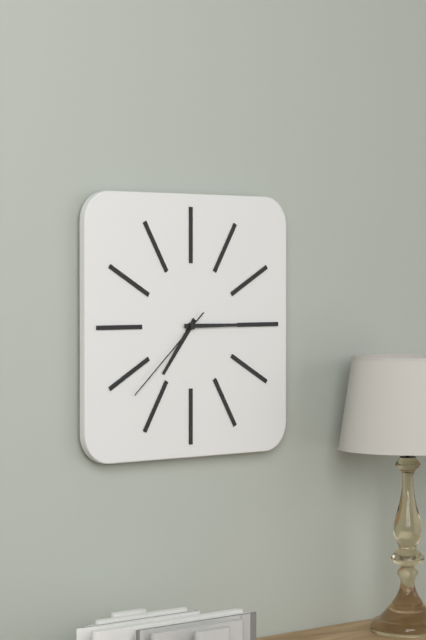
7:15:38
